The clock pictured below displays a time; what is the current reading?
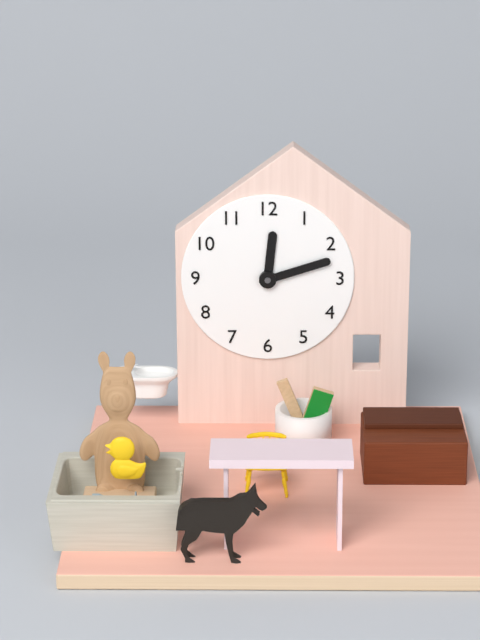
12:12
